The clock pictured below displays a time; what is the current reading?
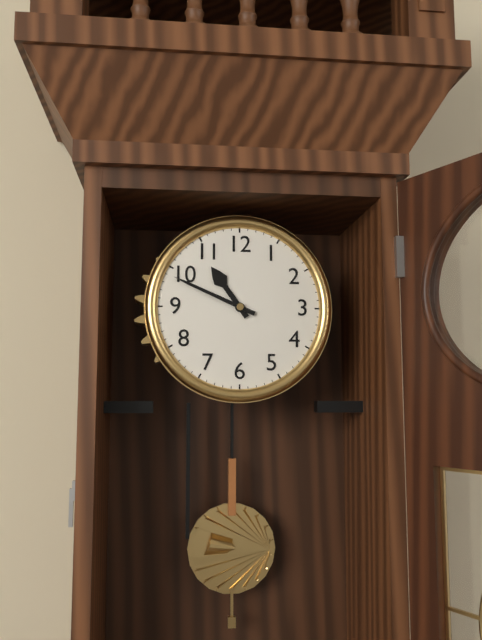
10:49
